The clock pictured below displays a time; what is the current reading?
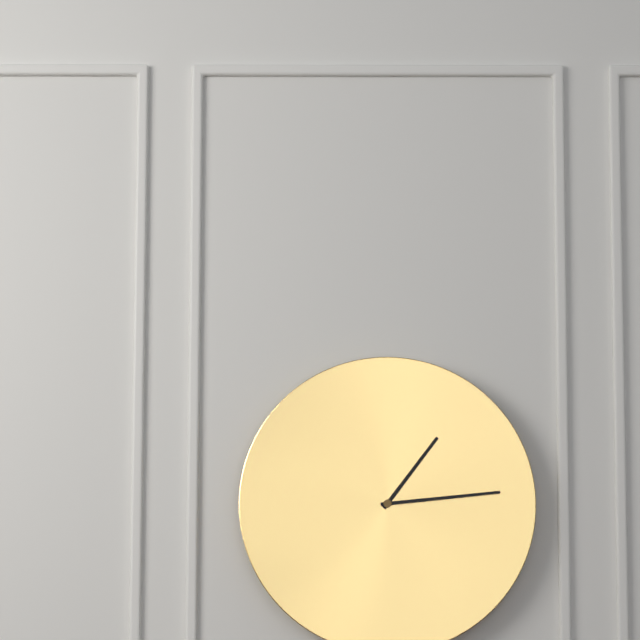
1:14
